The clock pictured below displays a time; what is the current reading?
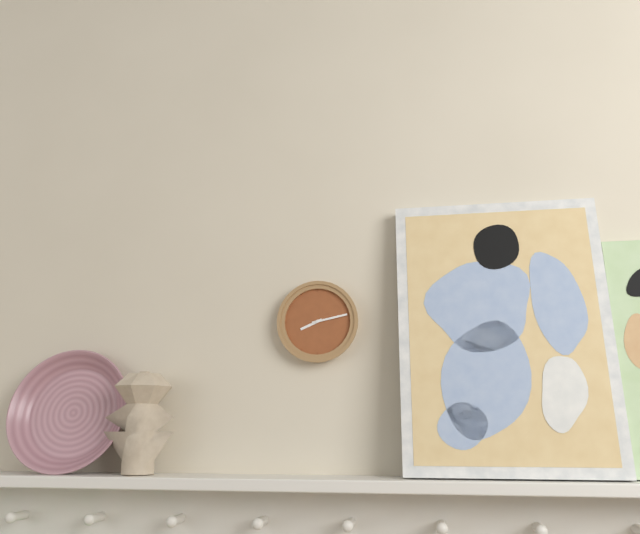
8:13
